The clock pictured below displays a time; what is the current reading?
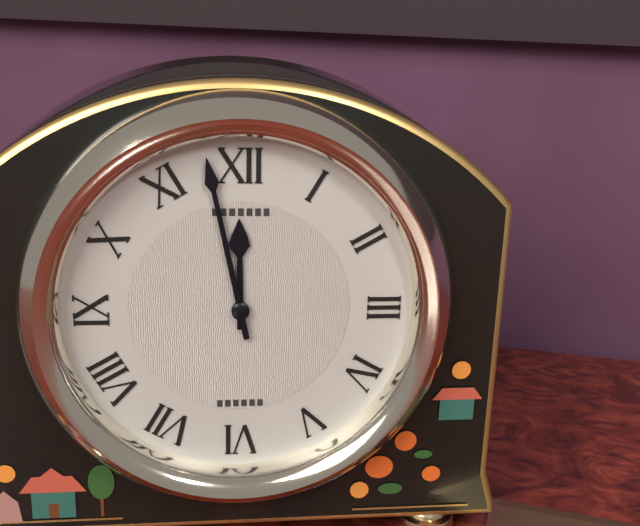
11:58
